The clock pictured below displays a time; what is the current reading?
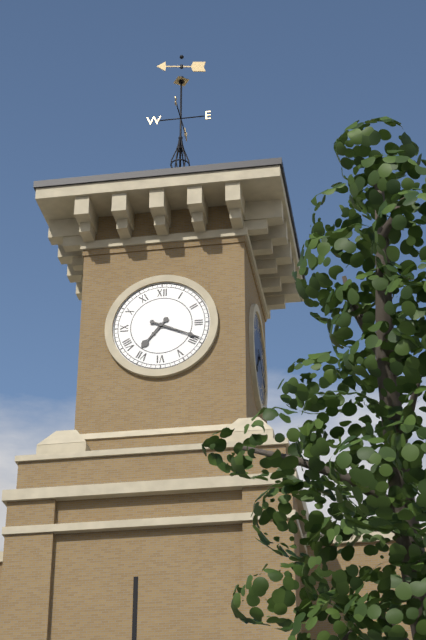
7:19
